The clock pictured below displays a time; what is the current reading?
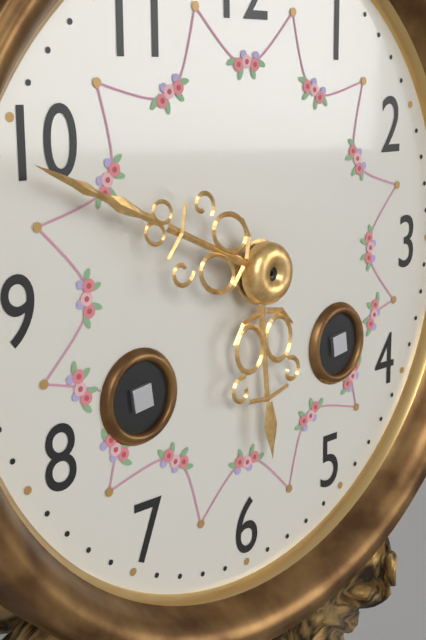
5:49
